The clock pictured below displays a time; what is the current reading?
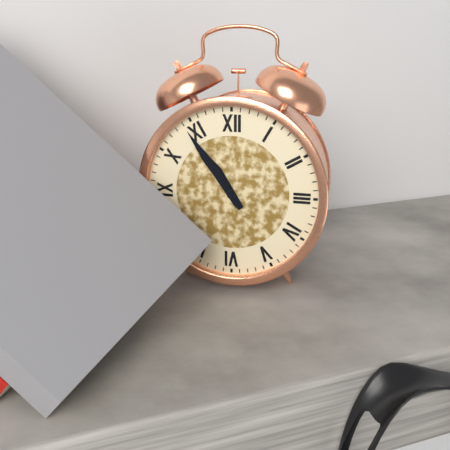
10:54
